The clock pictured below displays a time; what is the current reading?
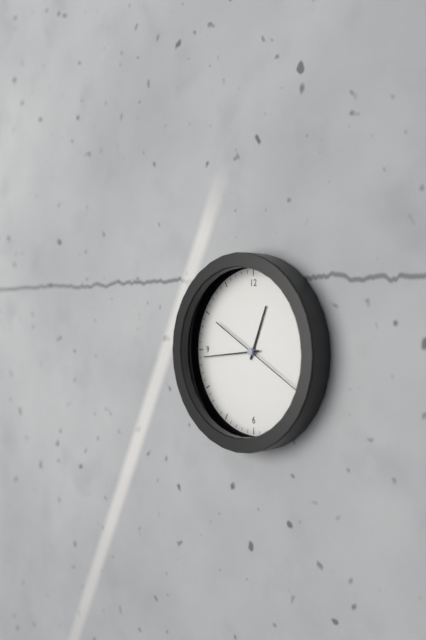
12:44:20
